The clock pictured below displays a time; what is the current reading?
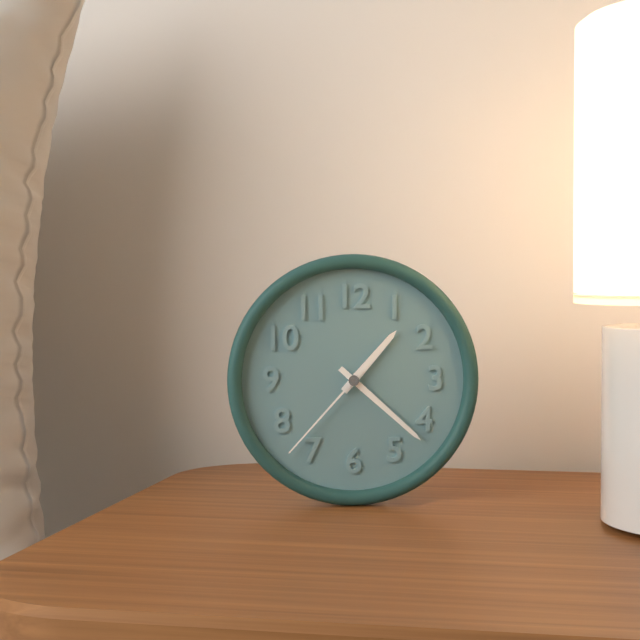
1:22:37
